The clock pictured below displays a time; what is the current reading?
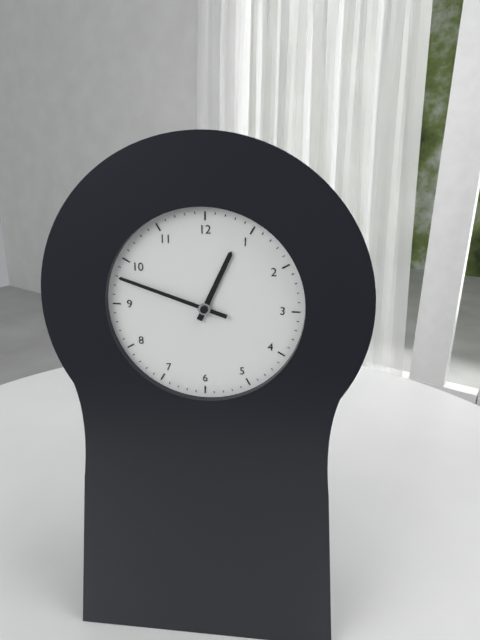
12:48
